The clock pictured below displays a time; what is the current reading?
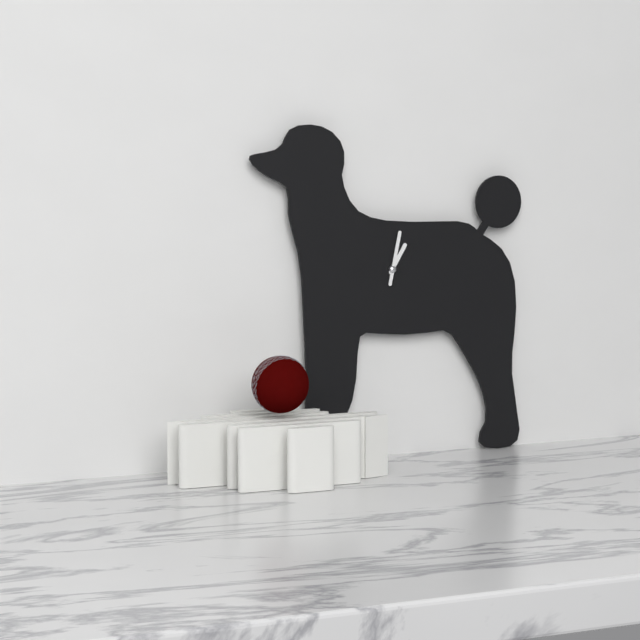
1:02
